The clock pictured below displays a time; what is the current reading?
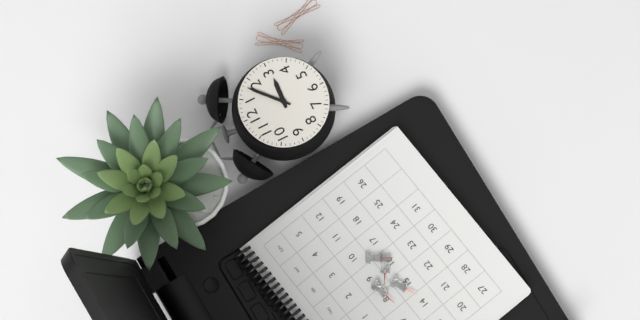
3:08
